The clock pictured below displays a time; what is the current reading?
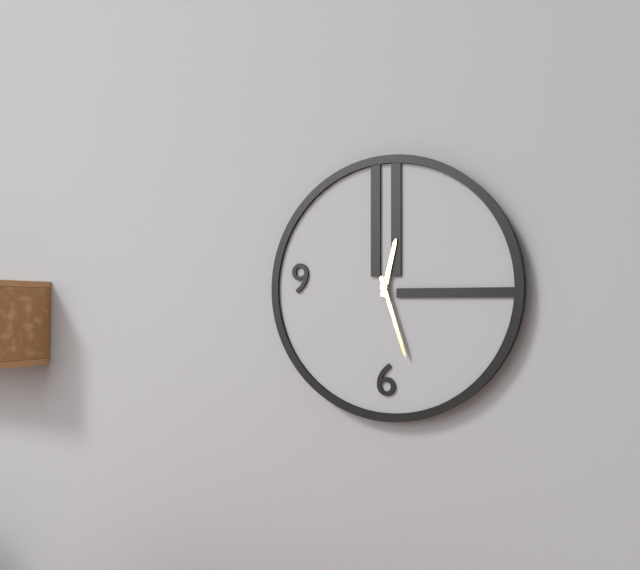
12:27
